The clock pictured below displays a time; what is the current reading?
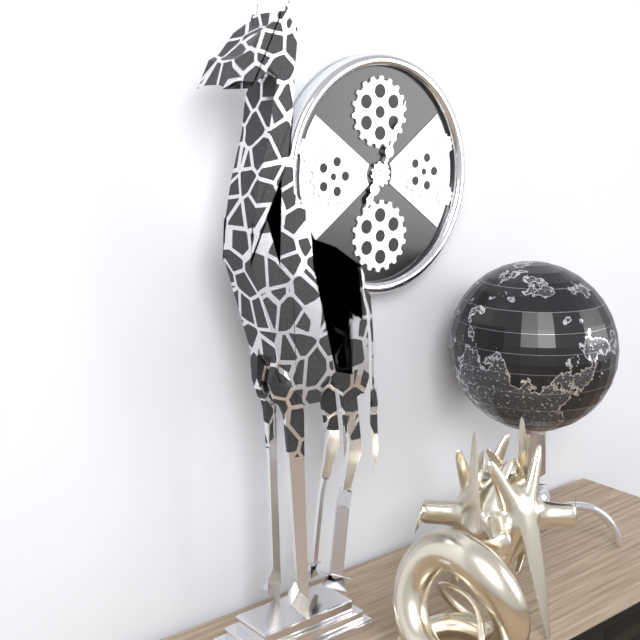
7:04
